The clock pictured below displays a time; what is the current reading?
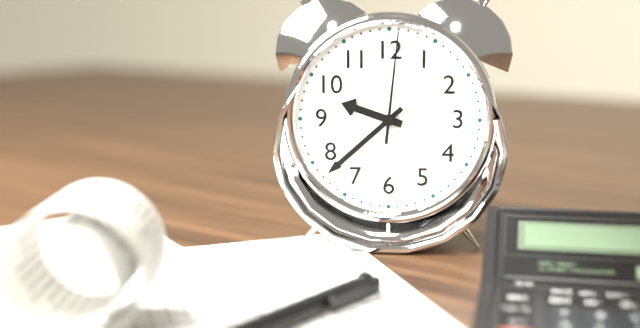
9:38:01
